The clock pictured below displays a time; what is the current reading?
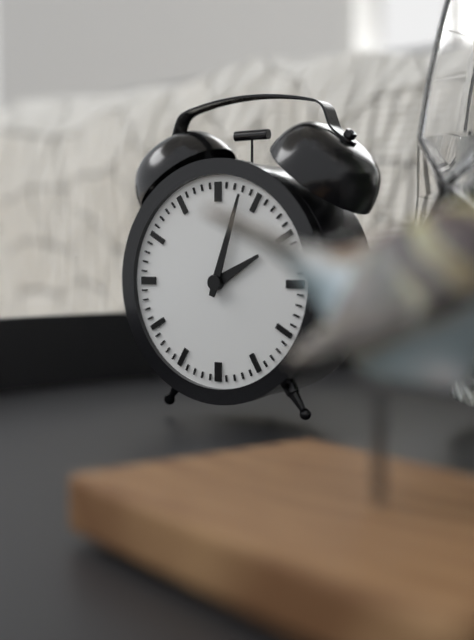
2:03
